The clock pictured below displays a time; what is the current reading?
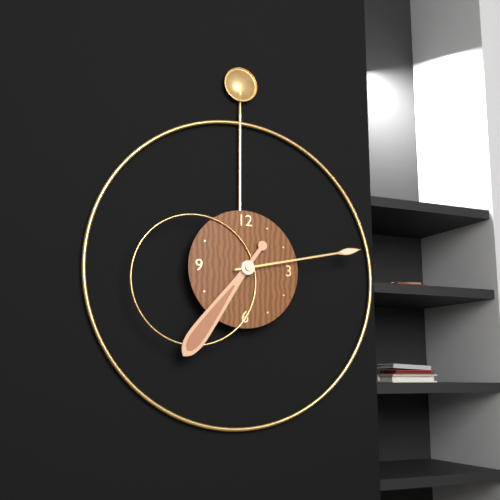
7:13
